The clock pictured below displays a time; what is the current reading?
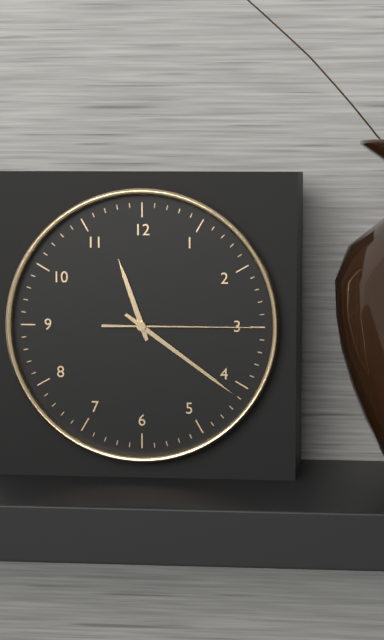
11:21:15
